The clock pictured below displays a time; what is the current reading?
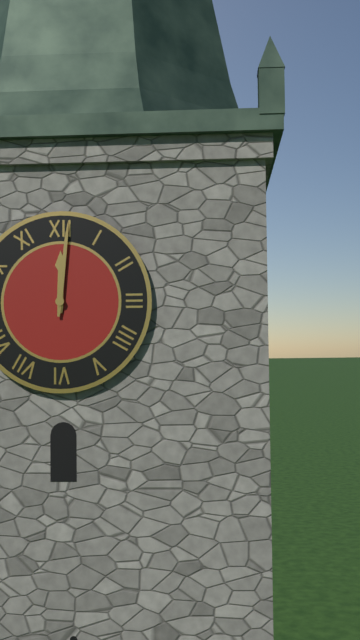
12:01
